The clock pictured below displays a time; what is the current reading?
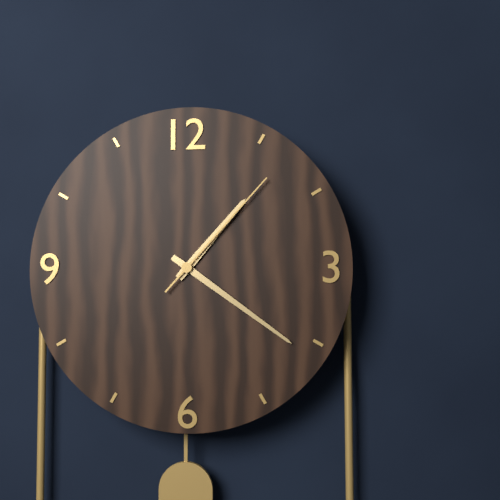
1:21:07
